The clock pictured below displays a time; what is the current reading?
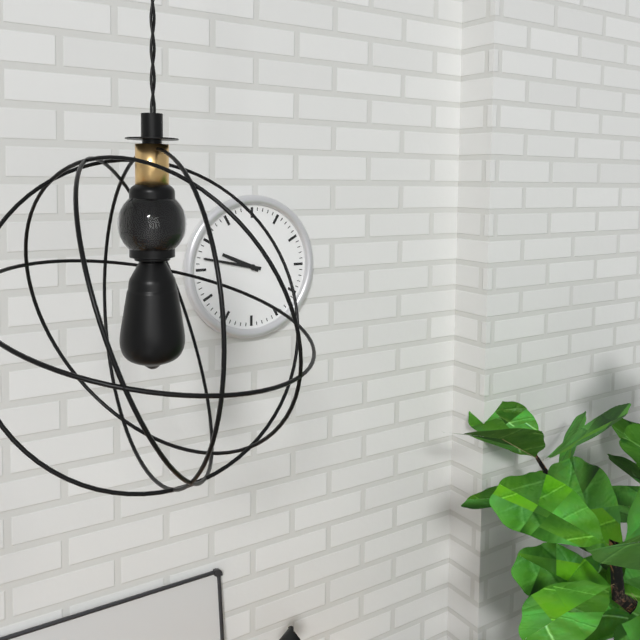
9:47
